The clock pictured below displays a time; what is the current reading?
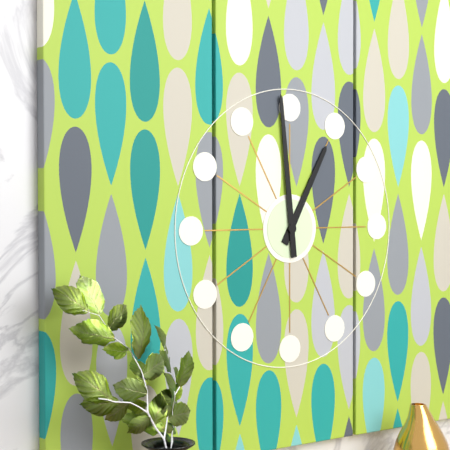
12:59
